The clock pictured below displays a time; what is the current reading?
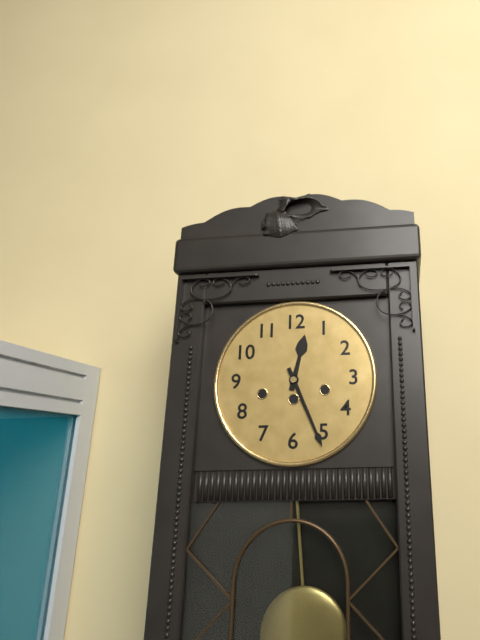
12:26
